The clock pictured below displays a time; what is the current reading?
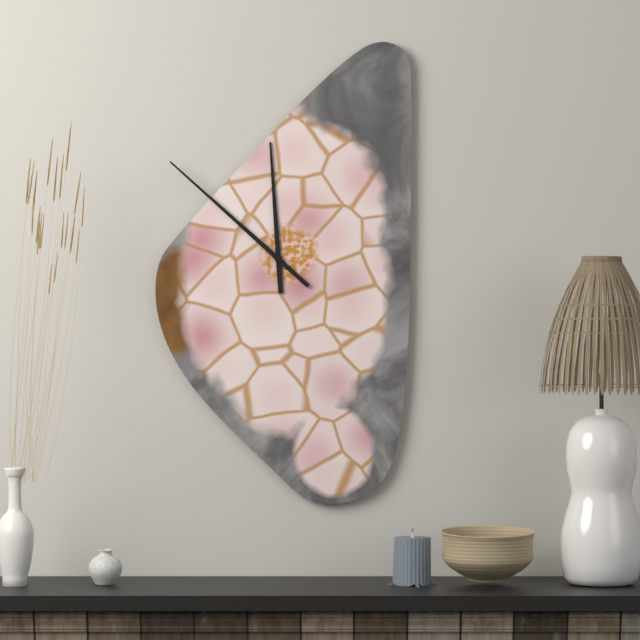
11:52
